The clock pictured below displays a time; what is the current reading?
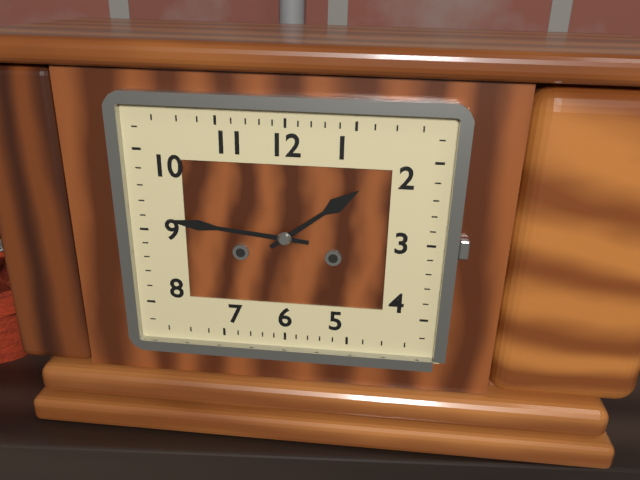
1:46
